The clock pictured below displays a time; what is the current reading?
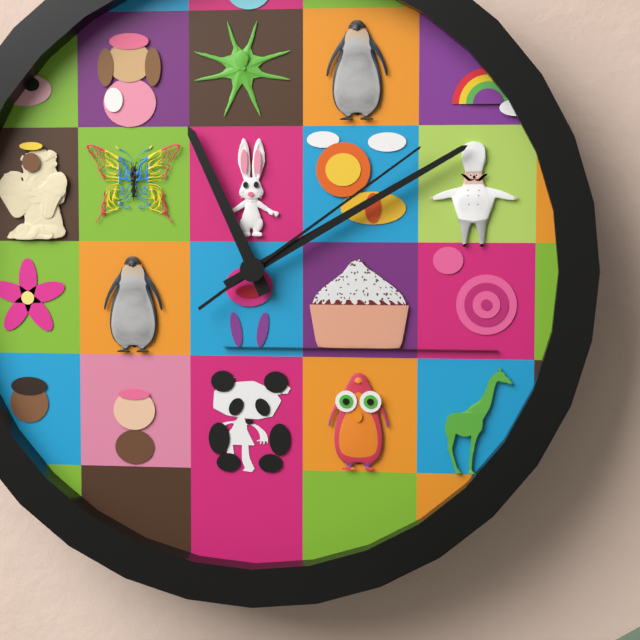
11:10:09
